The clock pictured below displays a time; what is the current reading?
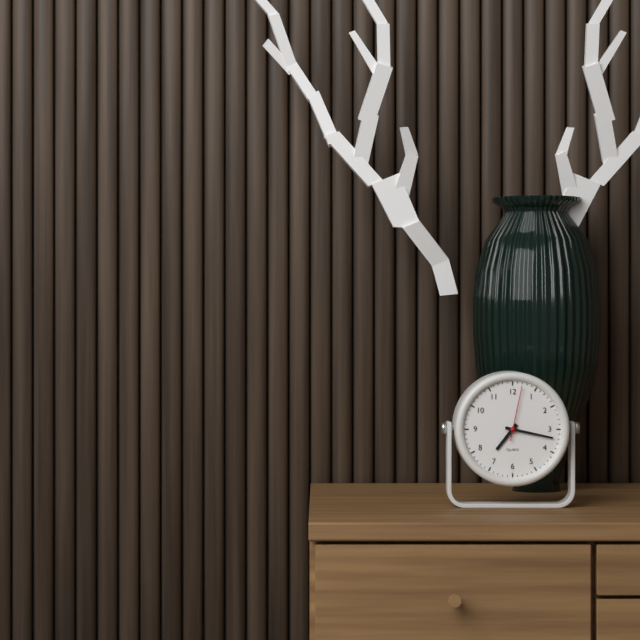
7:17:02
